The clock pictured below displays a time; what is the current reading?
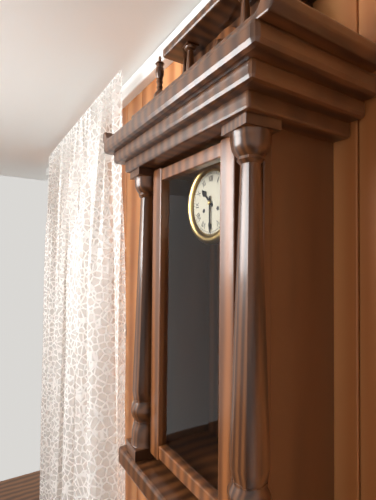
10:30
